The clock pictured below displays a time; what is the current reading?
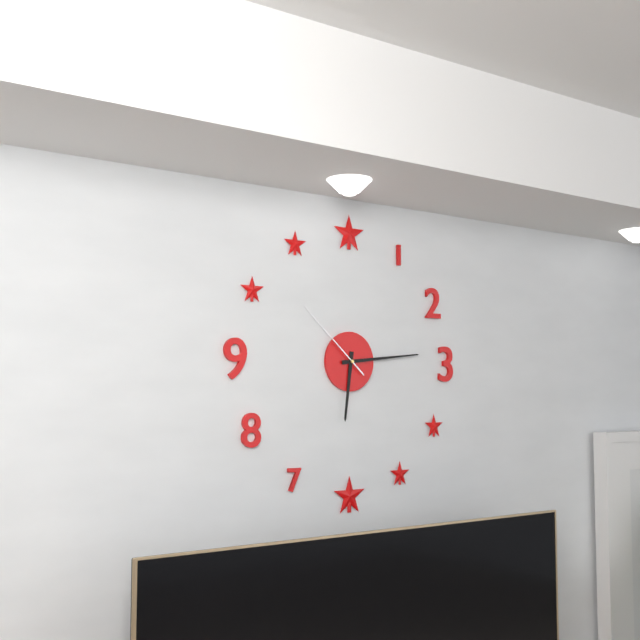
6:14:52
